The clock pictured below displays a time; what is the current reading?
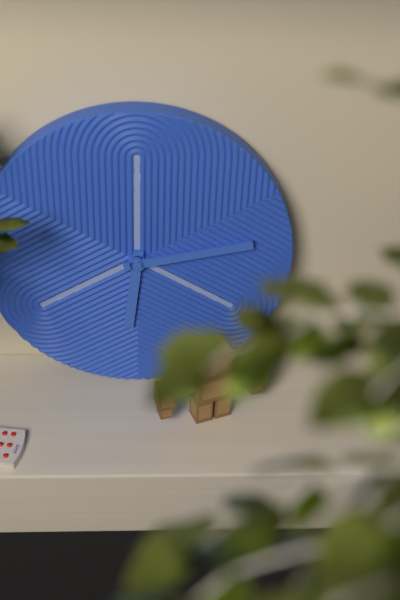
6:13
